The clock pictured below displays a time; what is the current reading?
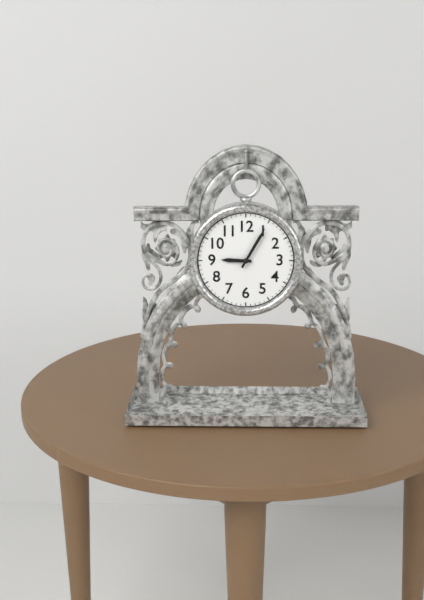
9:05
